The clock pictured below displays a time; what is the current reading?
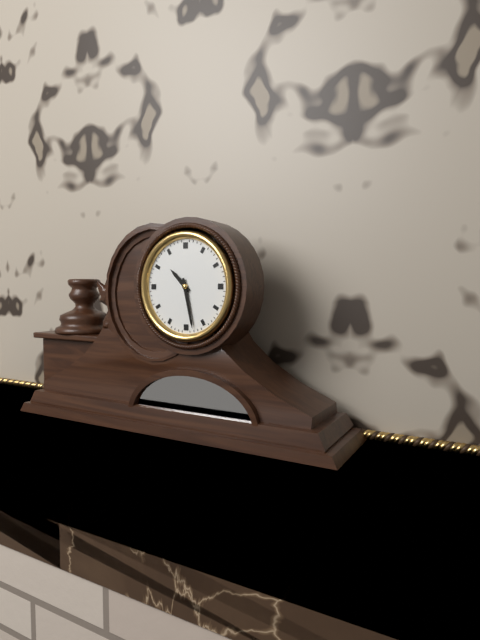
10:28
